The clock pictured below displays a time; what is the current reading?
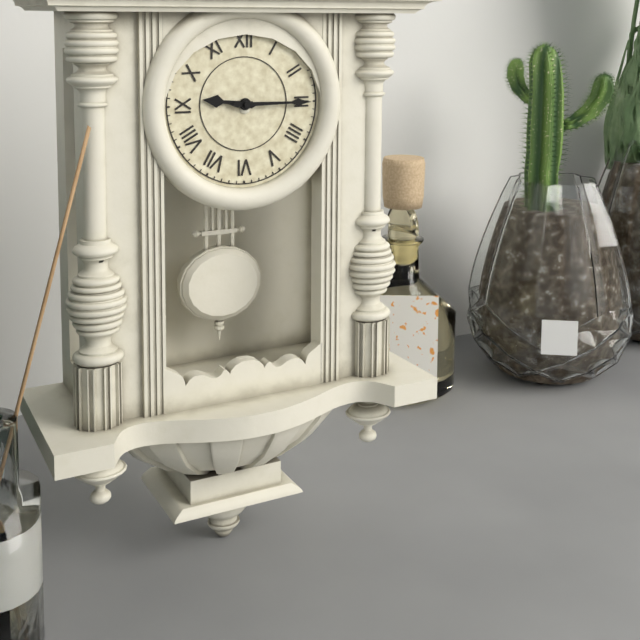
9:15
